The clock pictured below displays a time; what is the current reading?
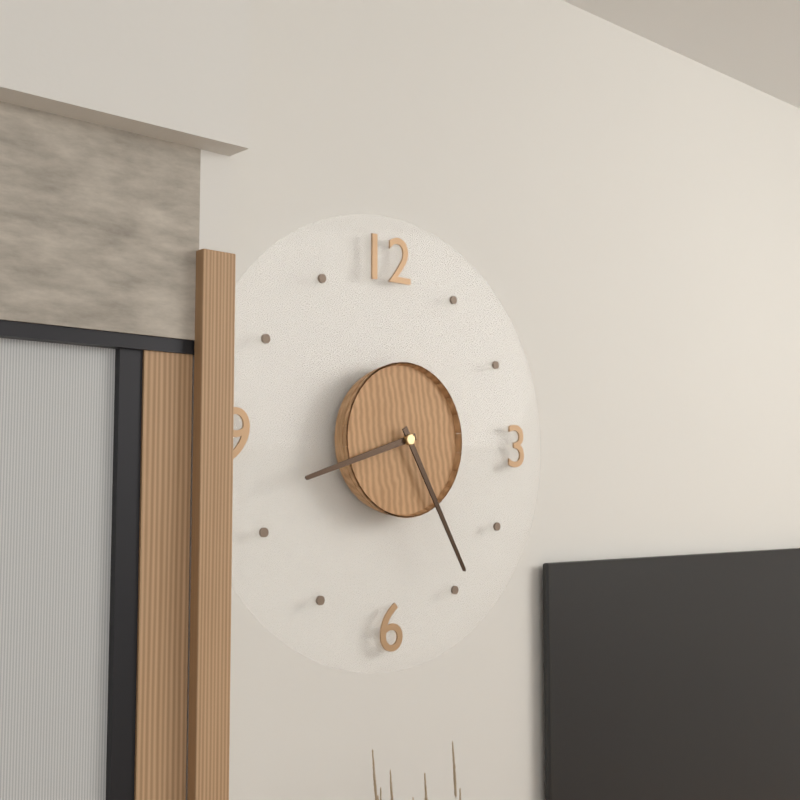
8:25
